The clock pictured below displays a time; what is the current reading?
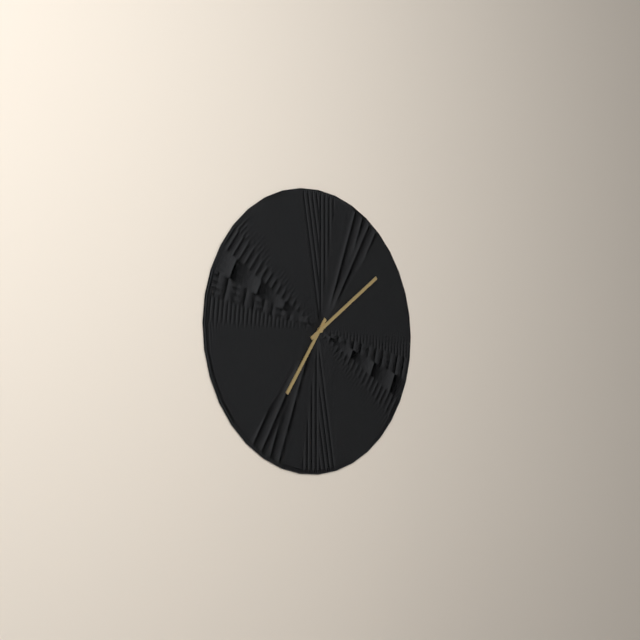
7:09
